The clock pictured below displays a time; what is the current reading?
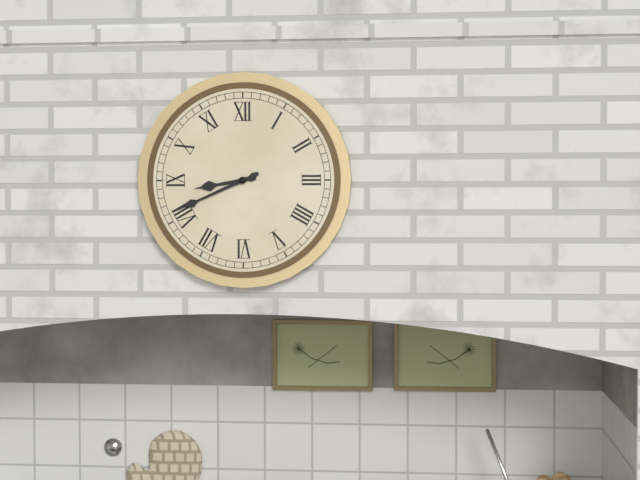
8:41
